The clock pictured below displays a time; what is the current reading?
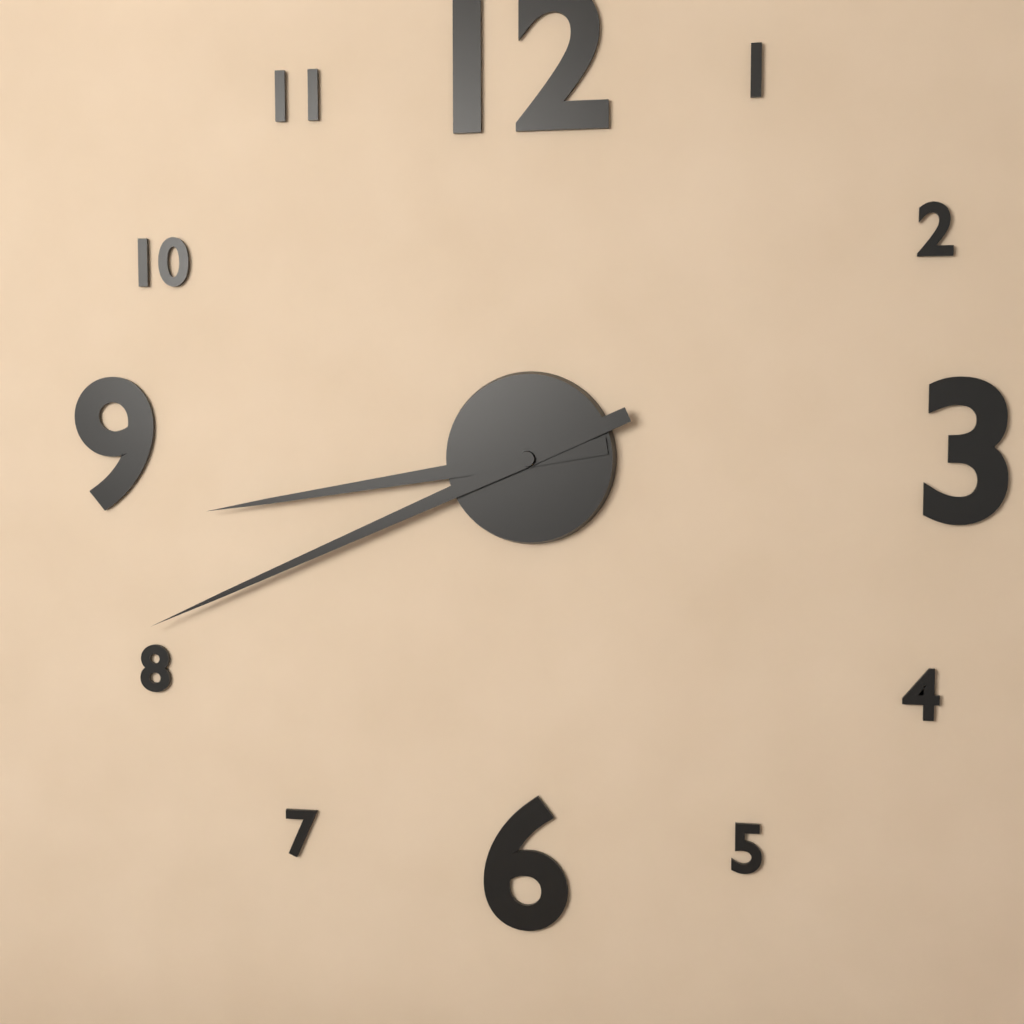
8:41
